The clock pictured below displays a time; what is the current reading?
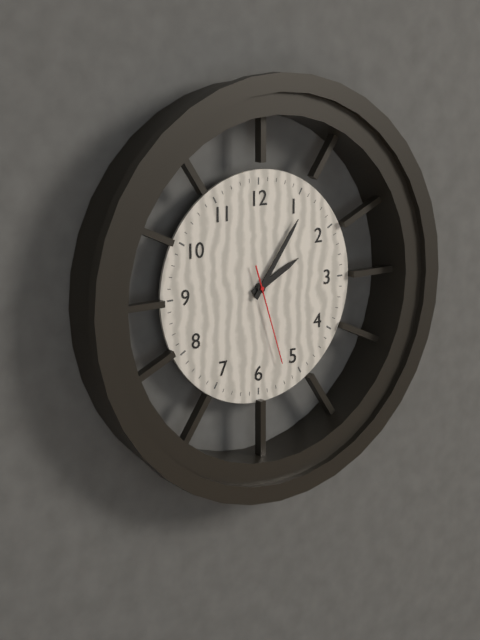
2:06:27
